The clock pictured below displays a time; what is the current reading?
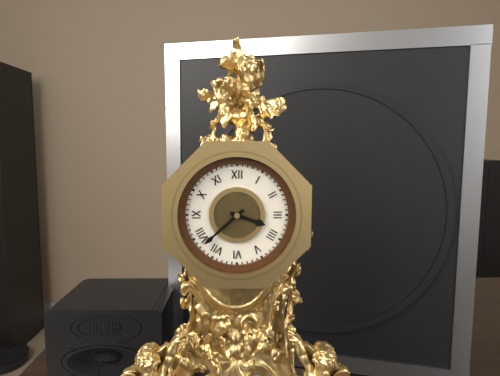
3:38
